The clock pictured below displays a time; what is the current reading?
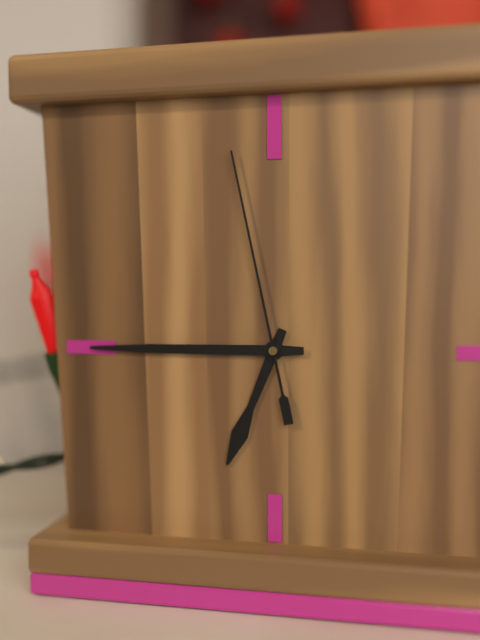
6:45:58
